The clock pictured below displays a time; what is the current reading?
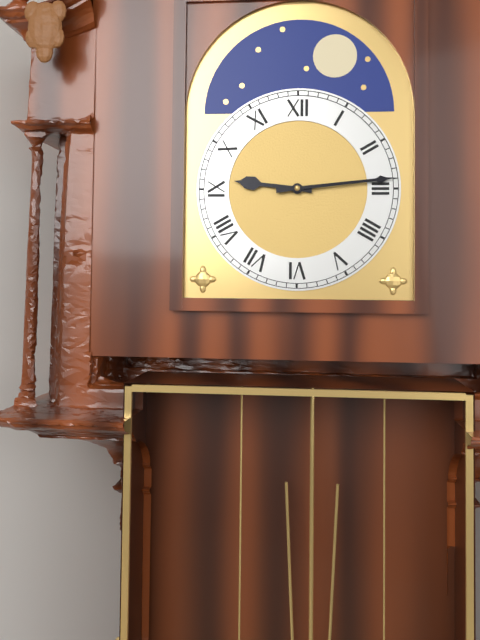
9:14
